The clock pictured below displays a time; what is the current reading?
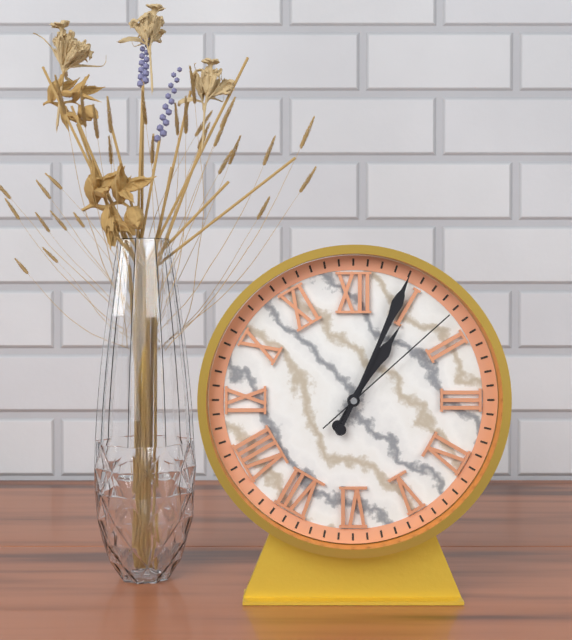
1:04:08
